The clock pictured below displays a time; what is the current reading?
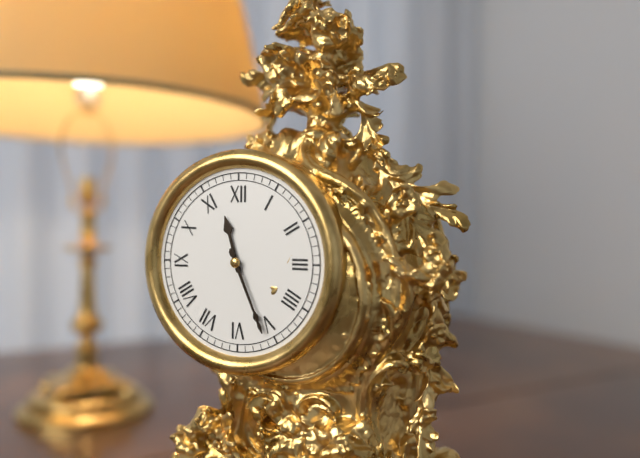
11:26
